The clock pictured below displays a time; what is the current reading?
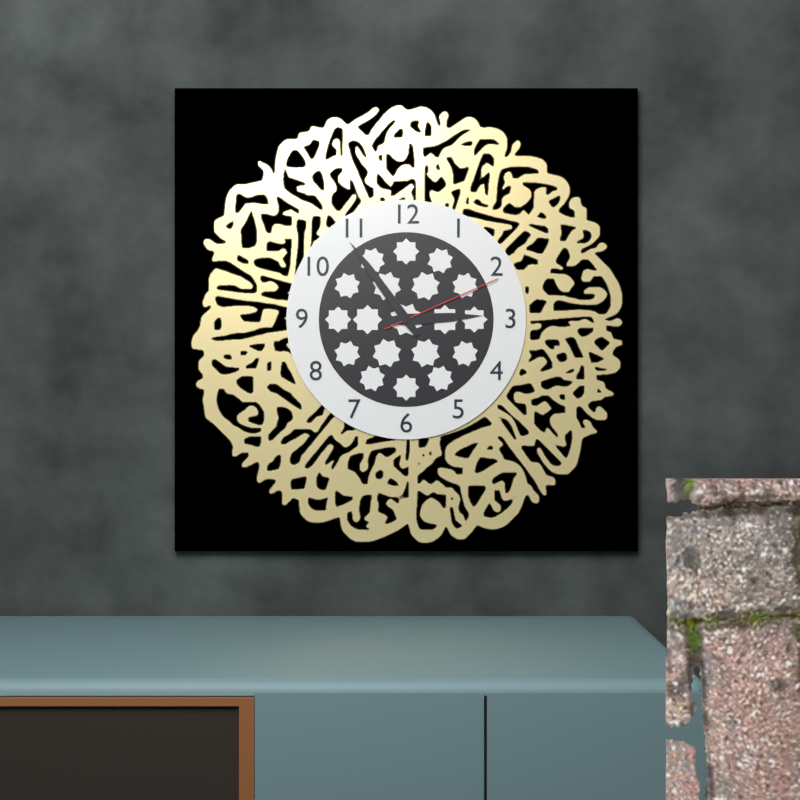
2:54:11
